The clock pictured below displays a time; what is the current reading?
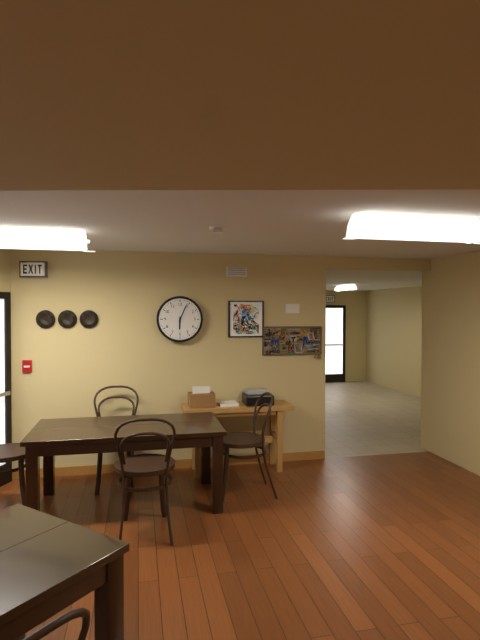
6:04
